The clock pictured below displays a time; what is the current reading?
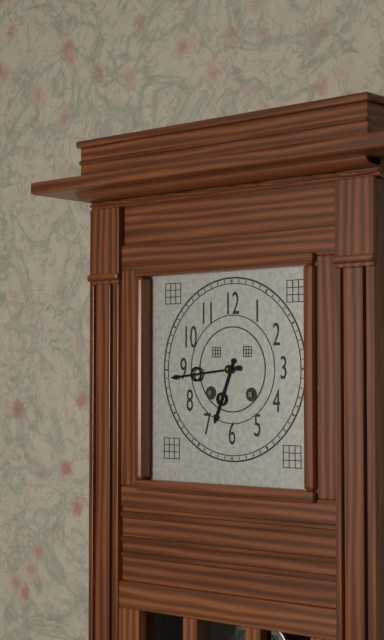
6:44
